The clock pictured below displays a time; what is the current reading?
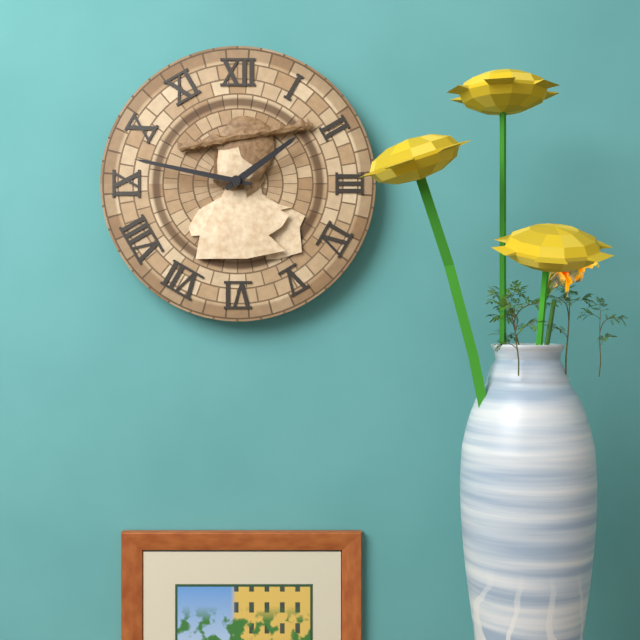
1:47
